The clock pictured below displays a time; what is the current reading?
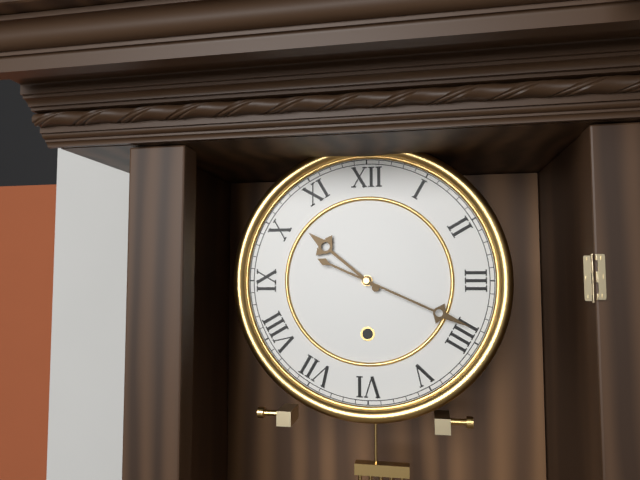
10:19
